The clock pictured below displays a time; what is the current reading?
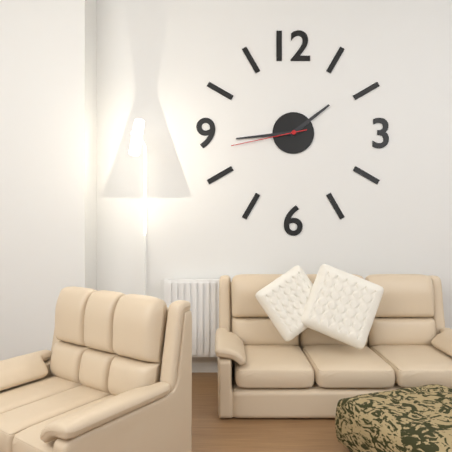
1:44:43
